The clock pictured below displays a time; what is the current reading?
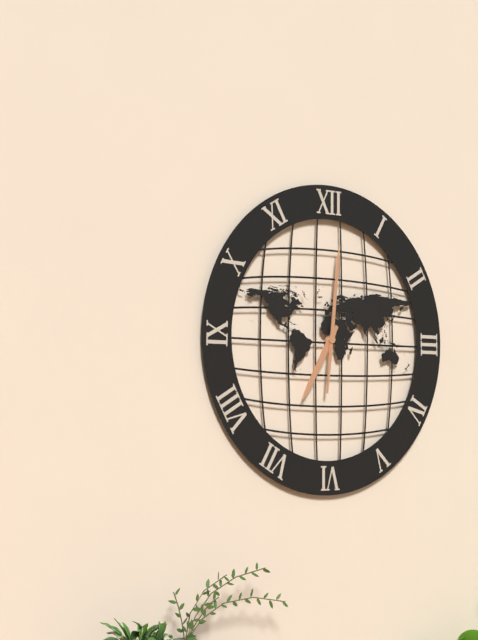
7:01
